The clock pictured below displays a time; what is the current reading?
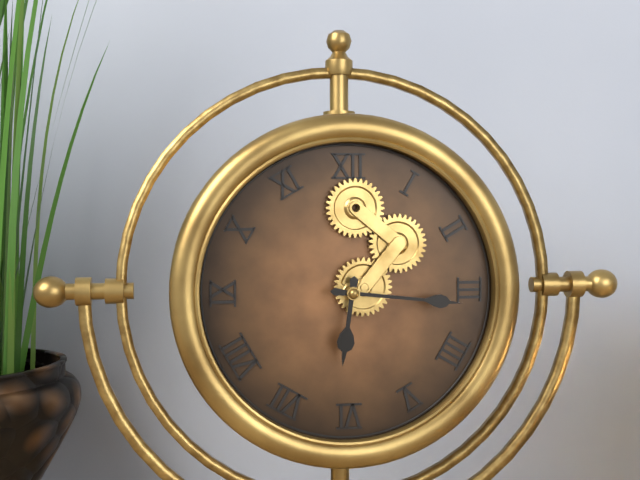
6:16
